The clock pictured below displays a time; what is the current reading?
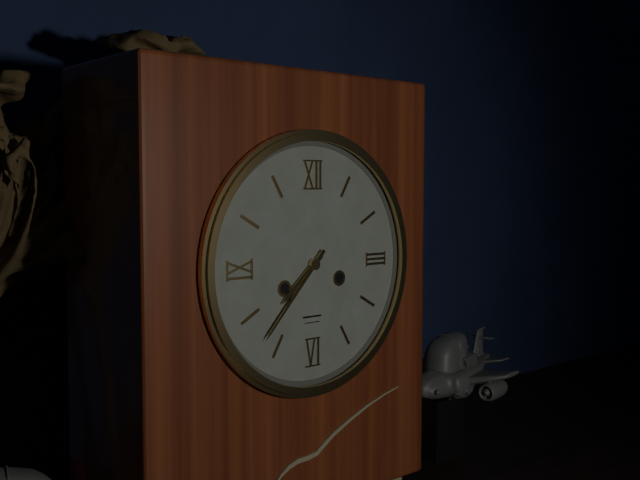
7:37
